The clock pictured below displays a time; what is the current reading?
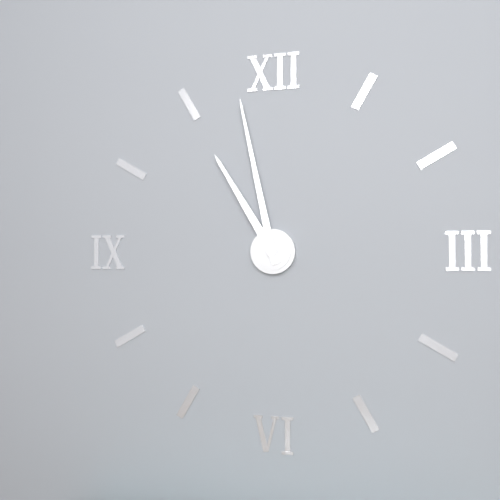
10:58
